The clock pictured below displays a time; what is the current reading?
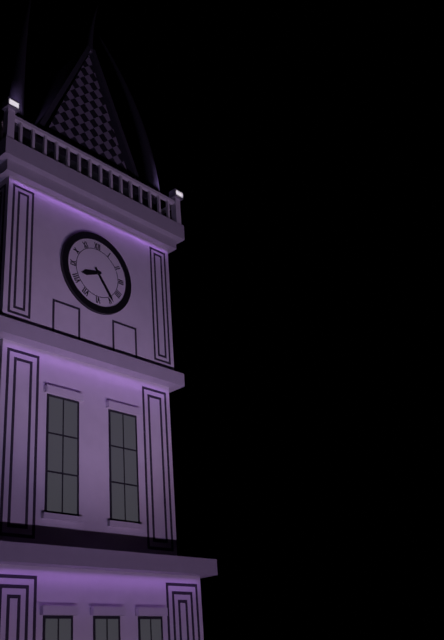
8:24
